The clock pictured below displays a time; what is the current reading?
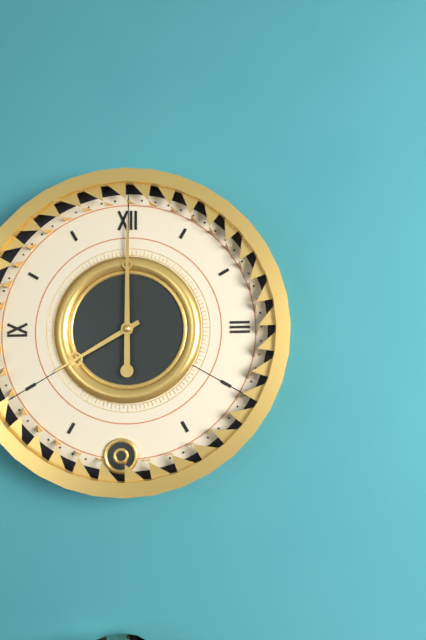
8:00
